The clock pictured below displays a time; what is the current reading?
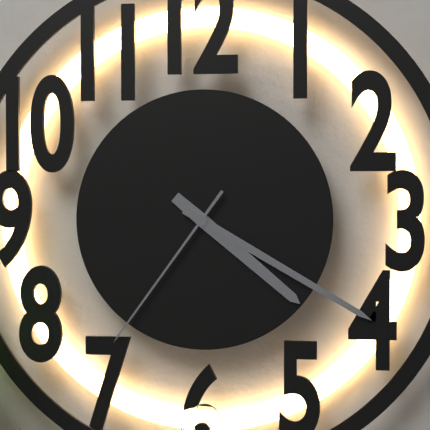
4:20:36
